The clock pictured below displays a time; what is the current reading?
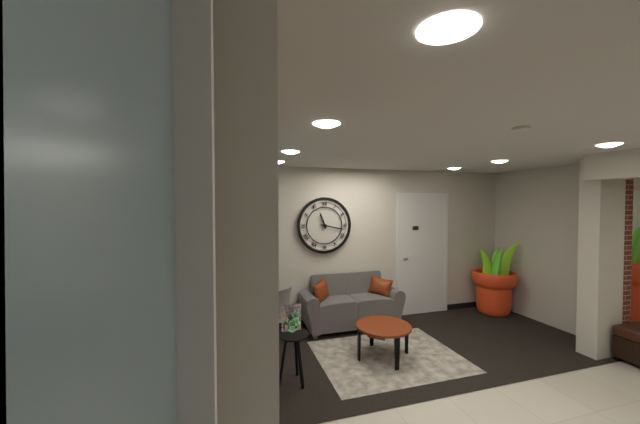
11:17
